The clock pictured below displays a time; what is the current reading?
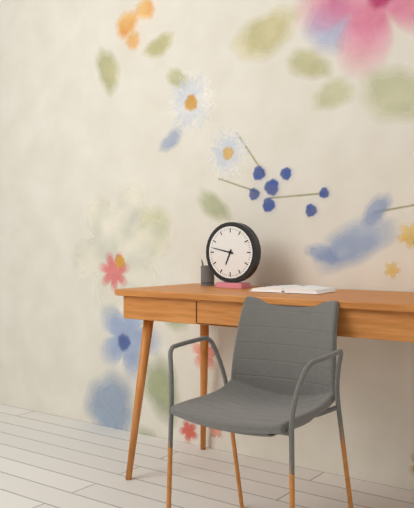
6:47
